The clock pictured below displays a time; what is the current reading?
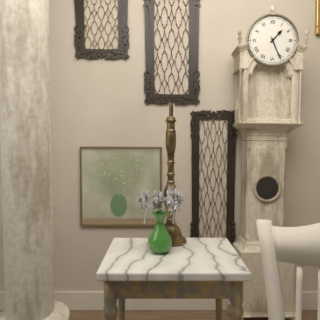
1:26
